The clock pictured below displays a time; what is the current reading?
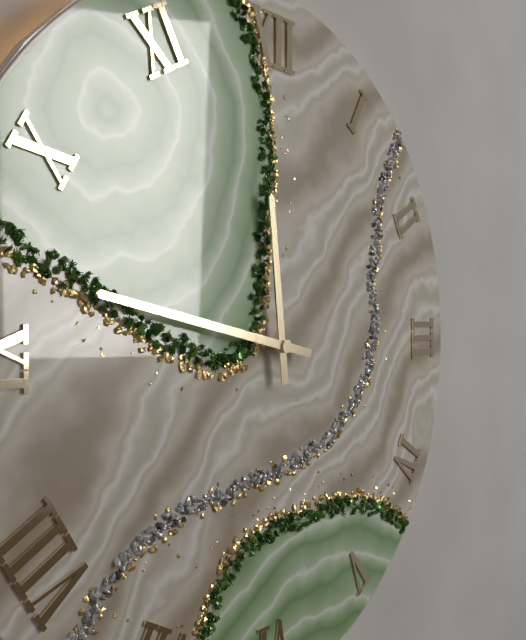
11:47
